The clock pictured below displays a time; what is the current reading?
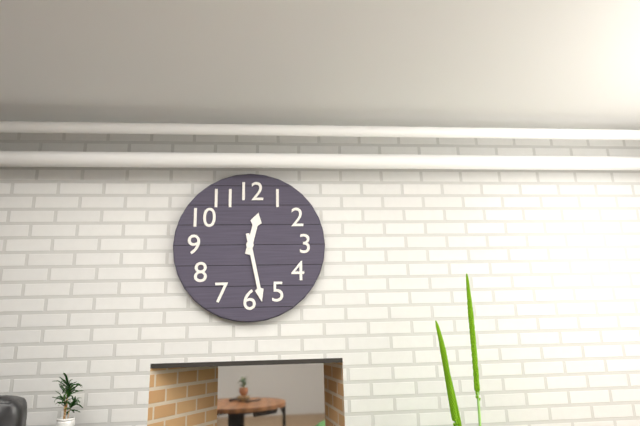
12:28
